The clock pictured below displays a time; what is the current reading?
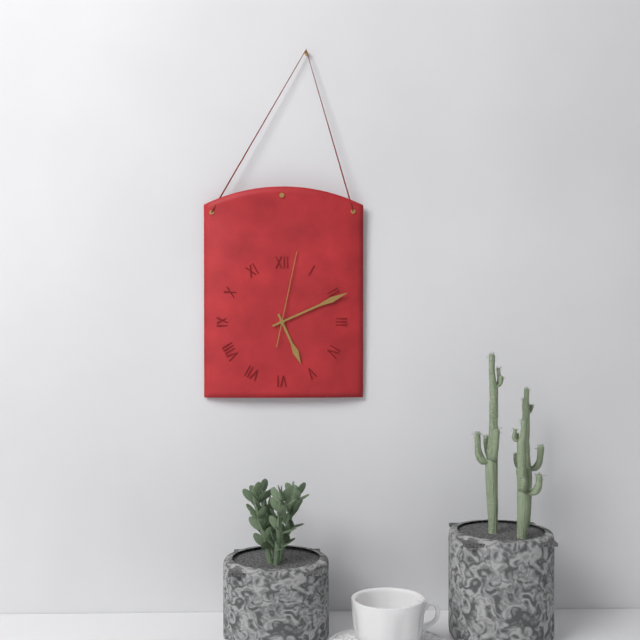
5:11:02
